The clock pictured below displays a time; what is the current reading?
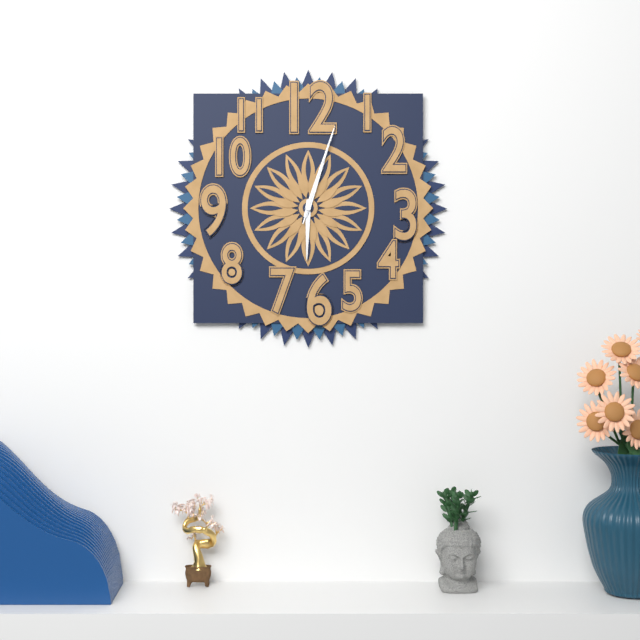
6:03:03
